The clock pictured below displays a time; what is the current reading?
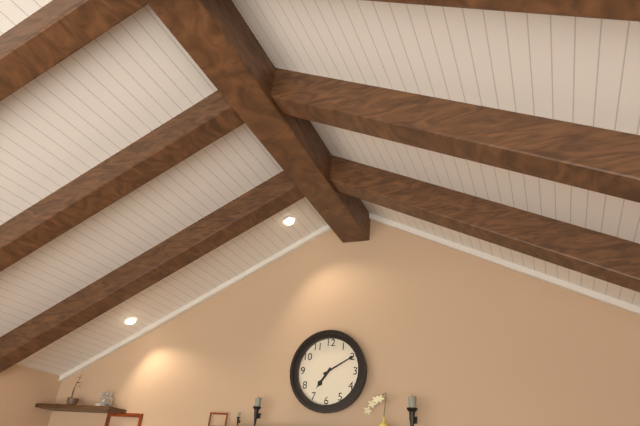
7:10
